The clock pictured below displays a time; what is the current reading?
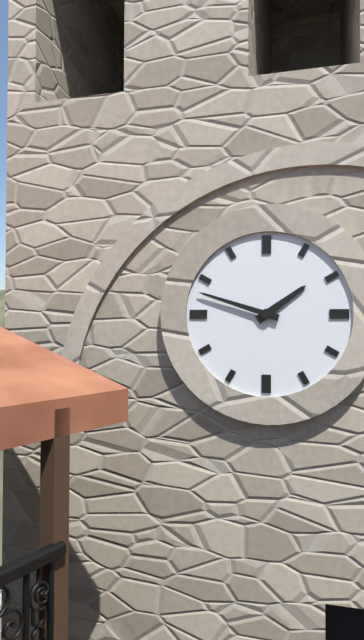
1:48
